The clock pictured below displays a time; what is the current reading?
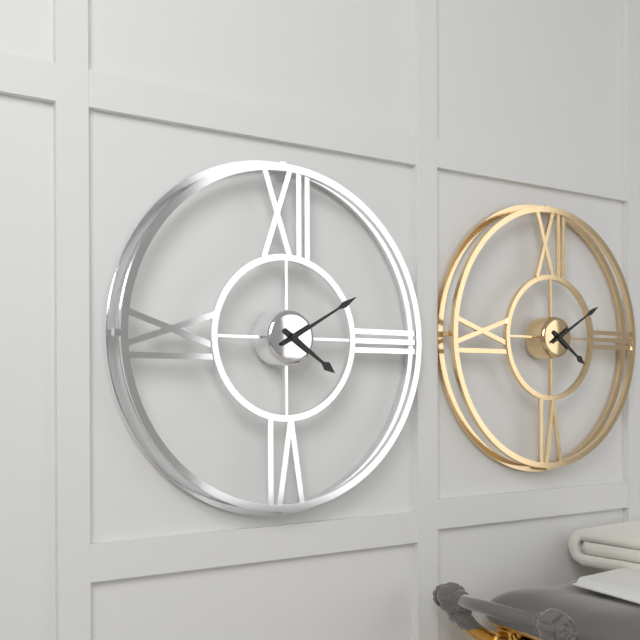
4:10
